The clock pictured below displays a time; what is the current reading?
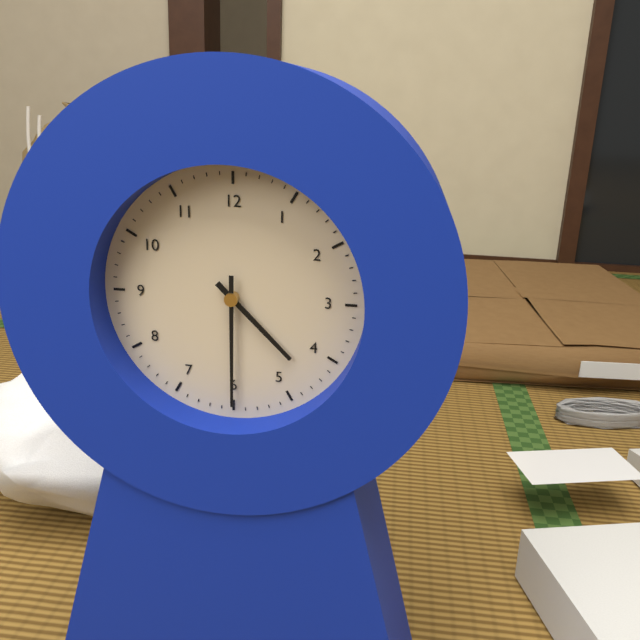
4:30
